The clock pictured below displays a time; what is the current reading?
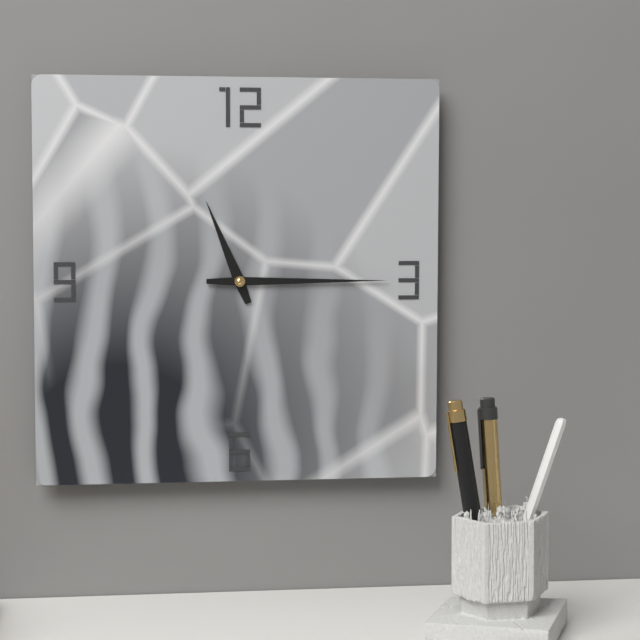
11:15
